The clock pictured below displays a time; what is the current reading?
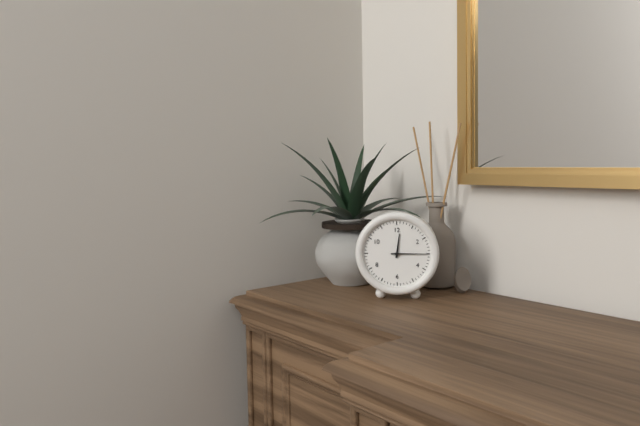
12:15
